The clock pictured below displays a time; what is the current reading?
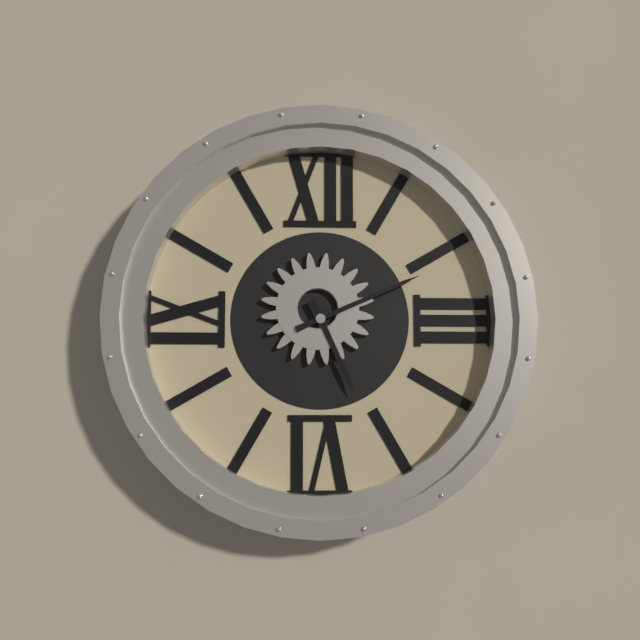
5:11
